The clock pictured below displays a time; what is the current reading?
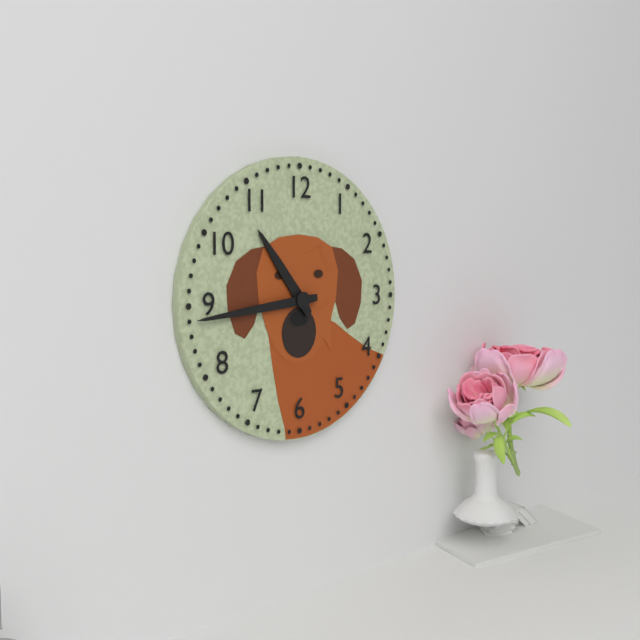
10:44
